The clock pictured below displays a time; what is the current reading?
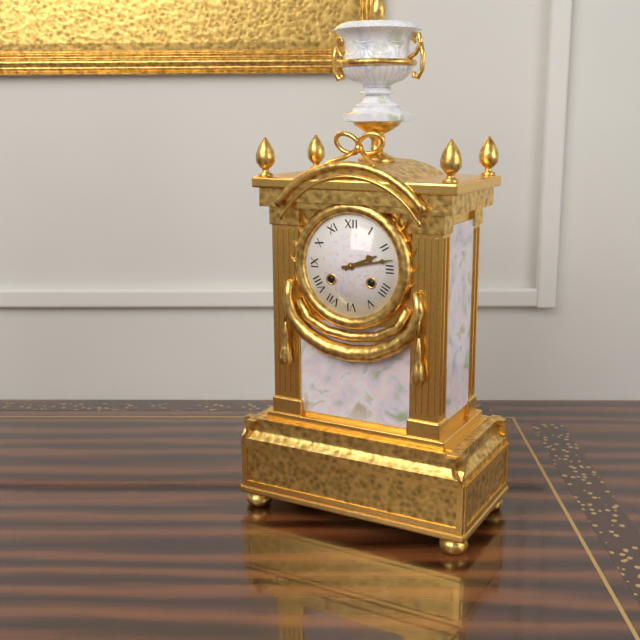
2:13
